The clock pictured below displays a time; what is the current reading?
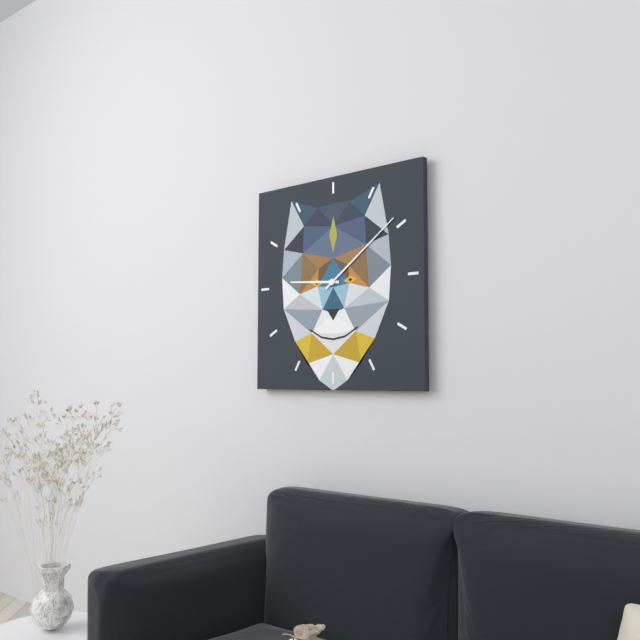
9:09
